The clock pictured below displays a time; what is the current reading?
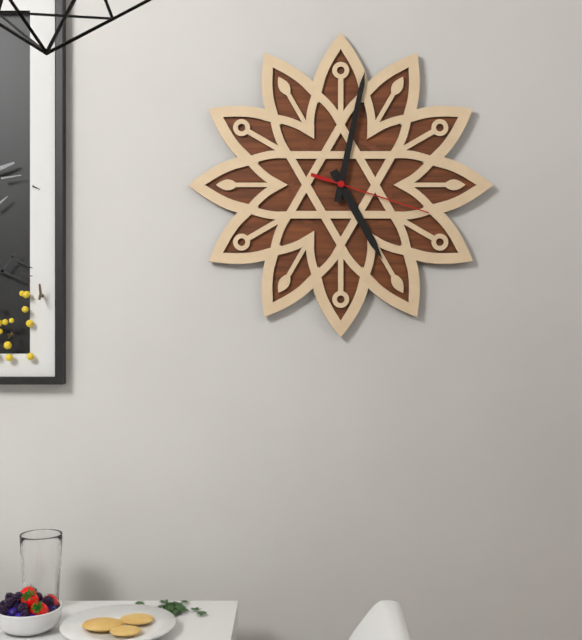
5:02:18
